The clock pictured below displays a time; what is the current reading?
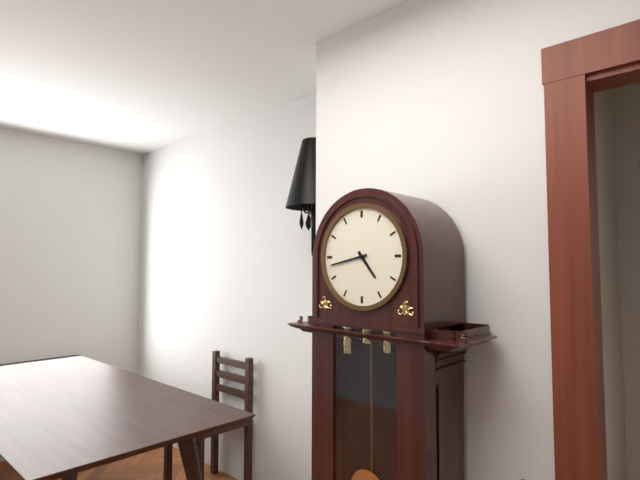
4:43
